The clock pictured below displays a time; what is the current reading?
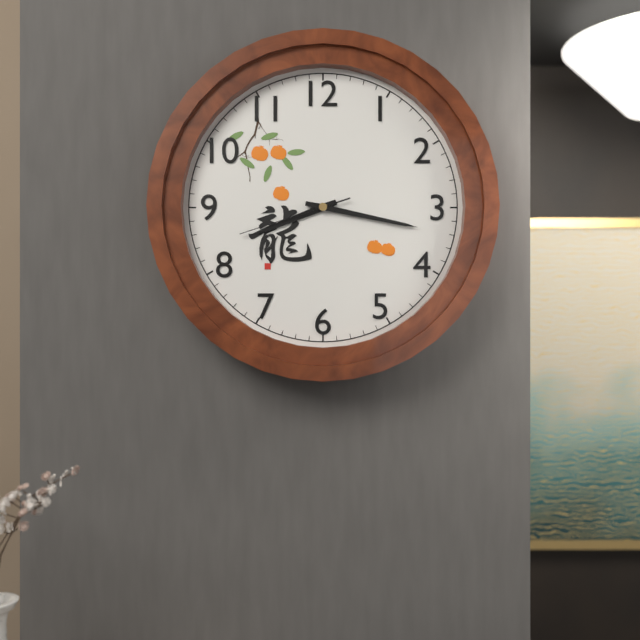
8:17:42
